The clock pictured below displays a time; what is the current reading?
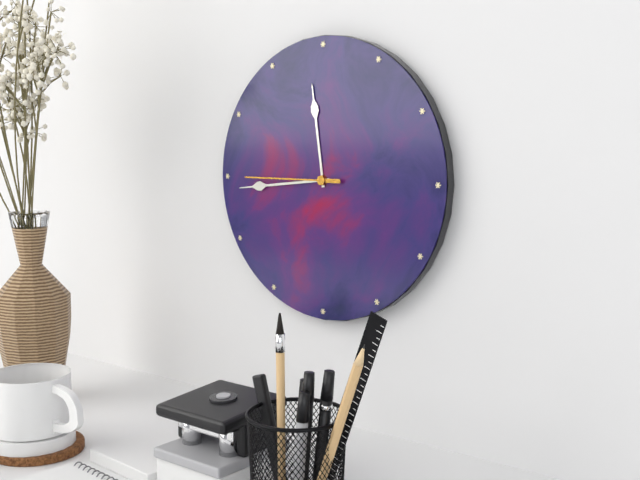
11:44:45
